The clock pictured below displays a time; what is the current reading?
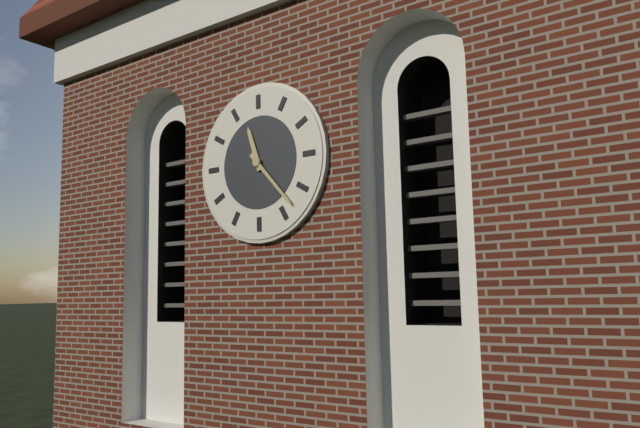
11:23
